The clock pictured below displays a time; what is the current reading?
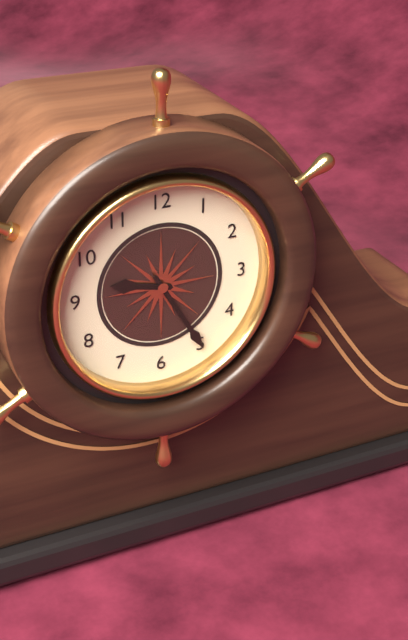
9:25
